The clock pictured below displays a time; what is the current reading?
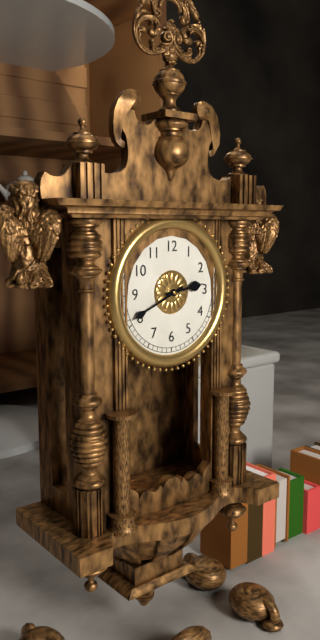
2:41
